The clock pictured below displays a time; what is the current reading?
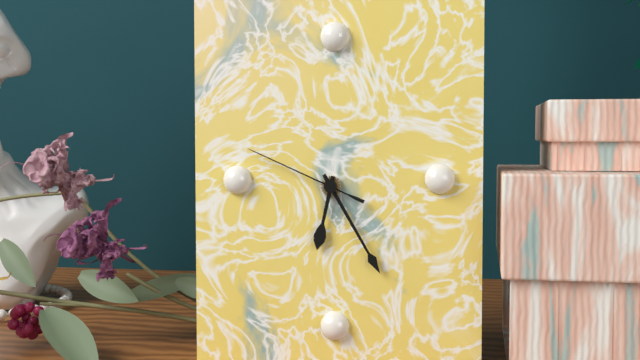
6:25:49
